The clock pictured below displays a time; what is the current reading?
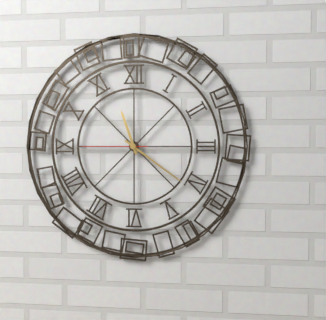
11:21:45
